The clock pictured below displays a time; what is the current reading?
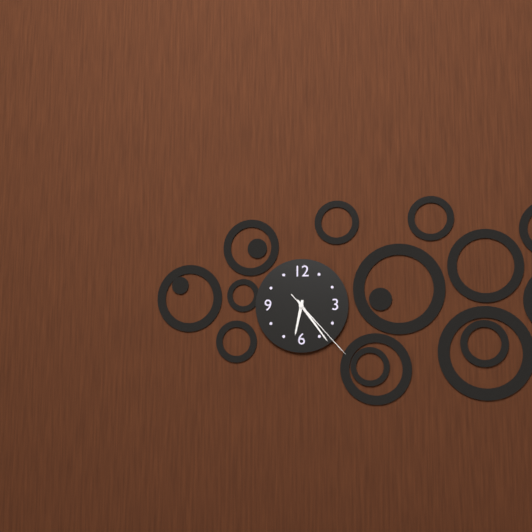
6:24:23
